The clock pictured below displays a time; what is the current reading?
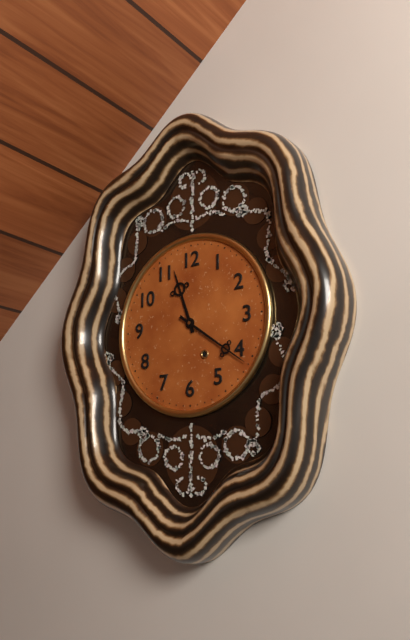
11:21
